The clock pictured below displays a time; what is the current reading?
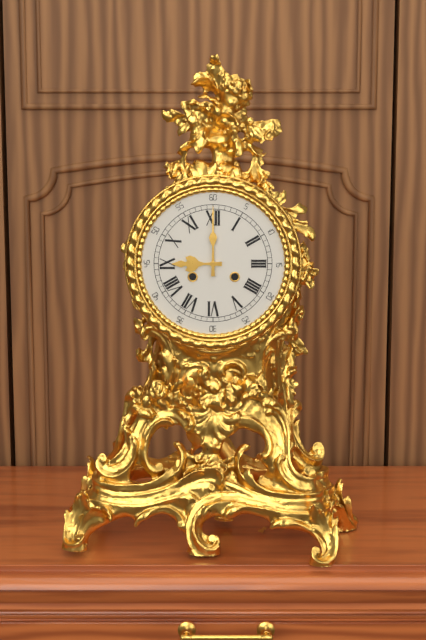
9:00
